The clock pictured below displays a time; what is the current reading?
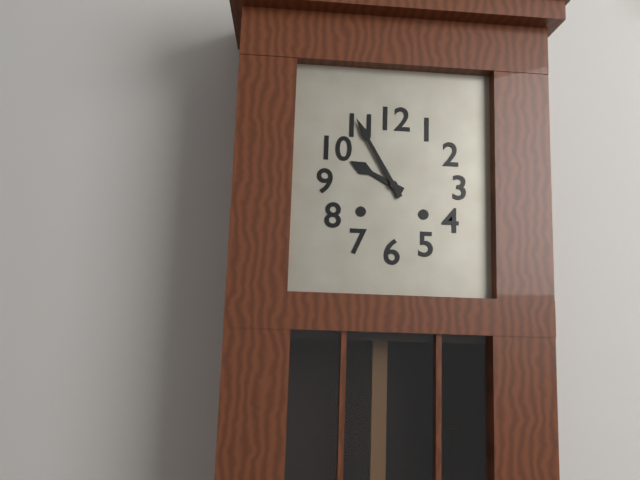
9:55
